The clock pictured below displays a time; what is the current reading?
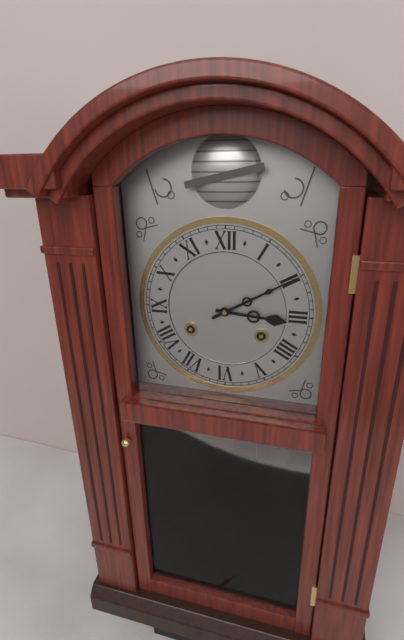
3:10
